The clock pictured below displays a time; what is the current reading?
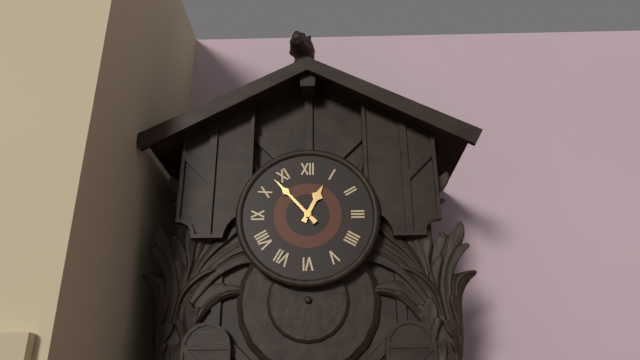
12:53
